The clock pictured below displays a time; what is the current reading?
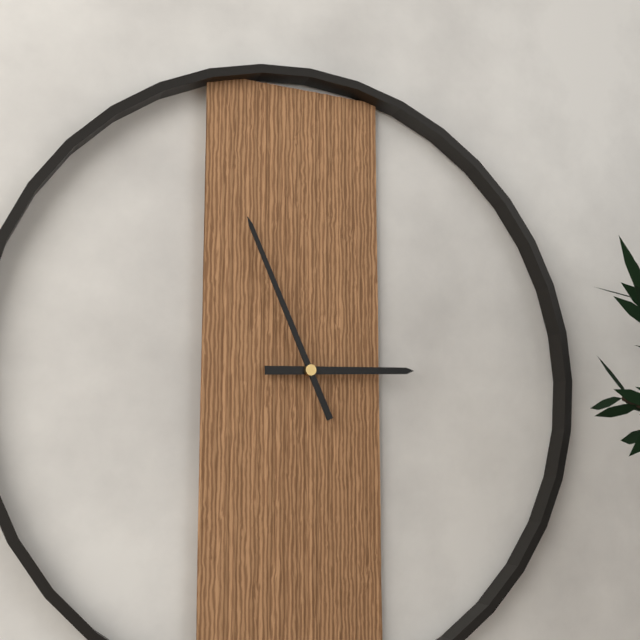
2:56
